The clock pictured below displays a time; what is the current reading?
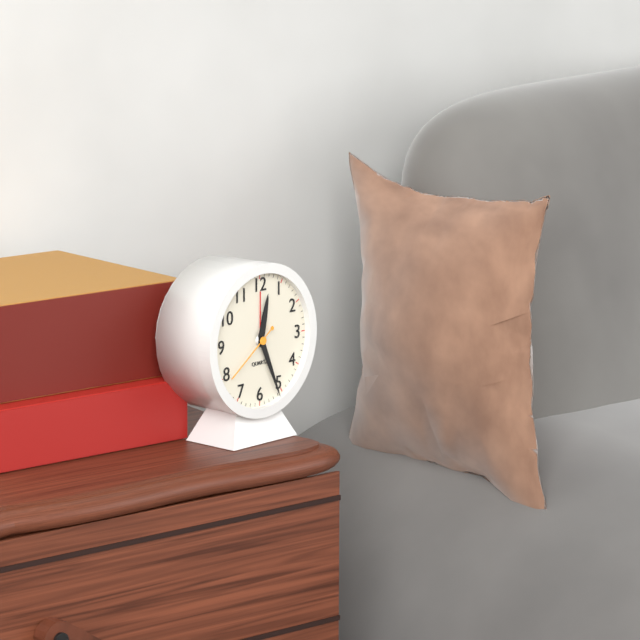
12:26:39
